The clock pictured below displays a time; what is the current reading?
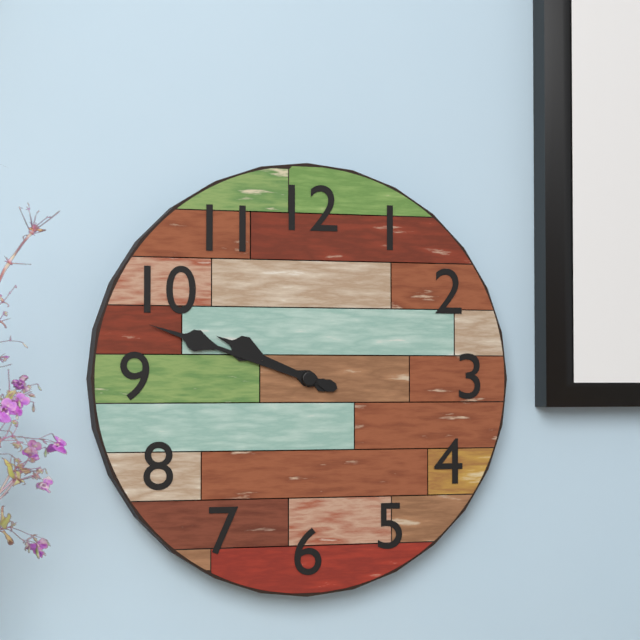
9:48
